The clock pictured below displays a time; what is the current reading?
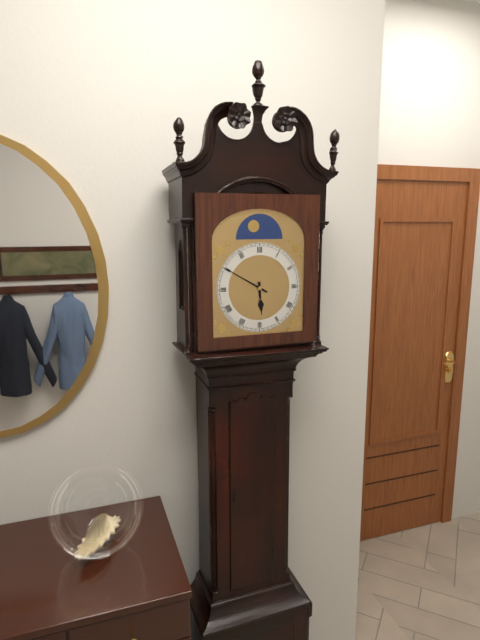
5:50
